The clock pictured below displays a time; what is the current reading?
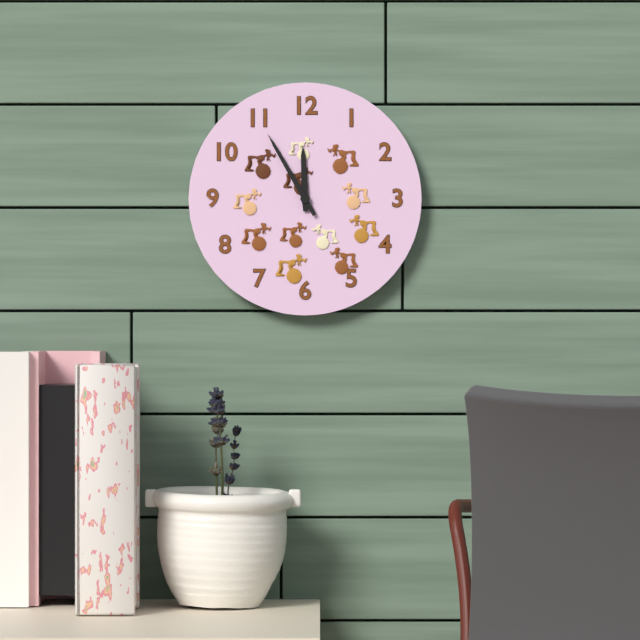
11:55
